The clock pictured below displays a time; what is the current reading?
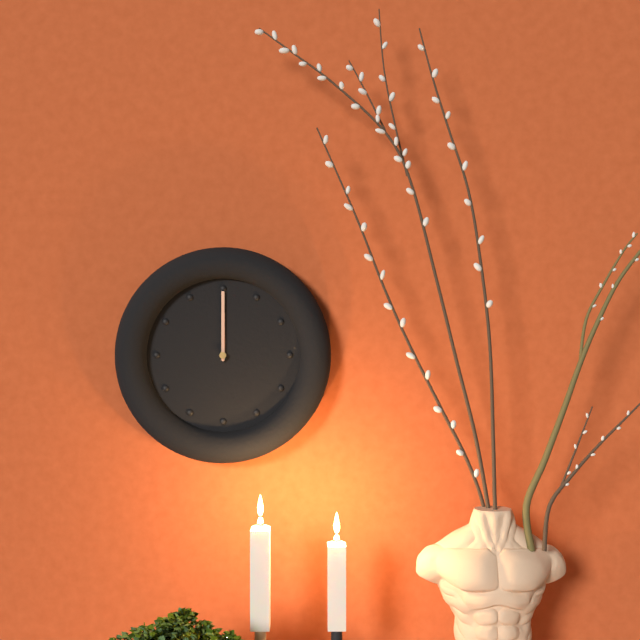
12:00
